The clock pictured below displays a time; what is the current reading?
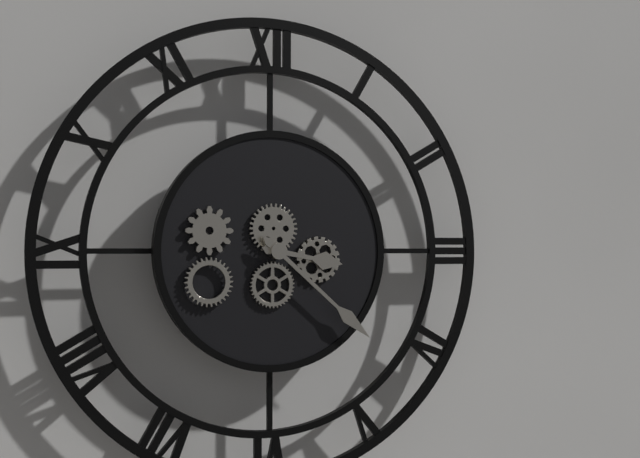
3:22
